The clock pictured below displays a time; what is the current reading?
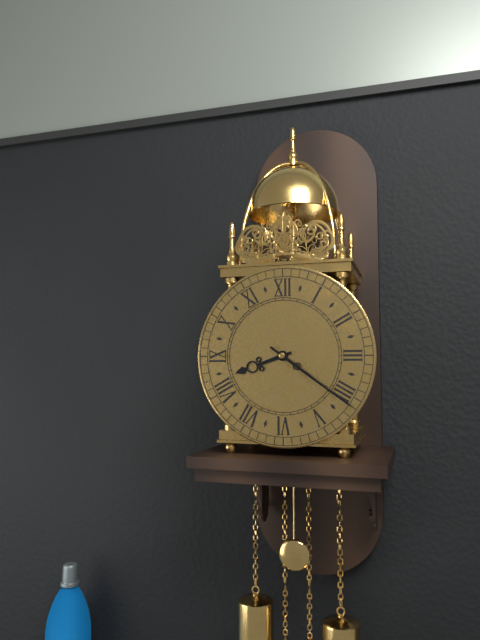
8:21
